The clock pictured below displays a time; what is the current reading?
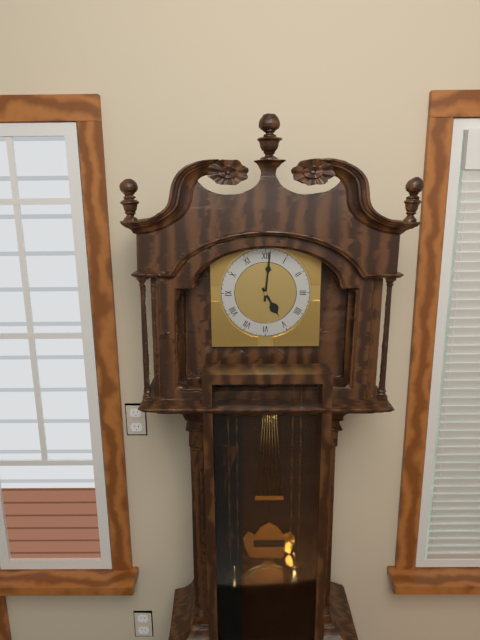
5:01
